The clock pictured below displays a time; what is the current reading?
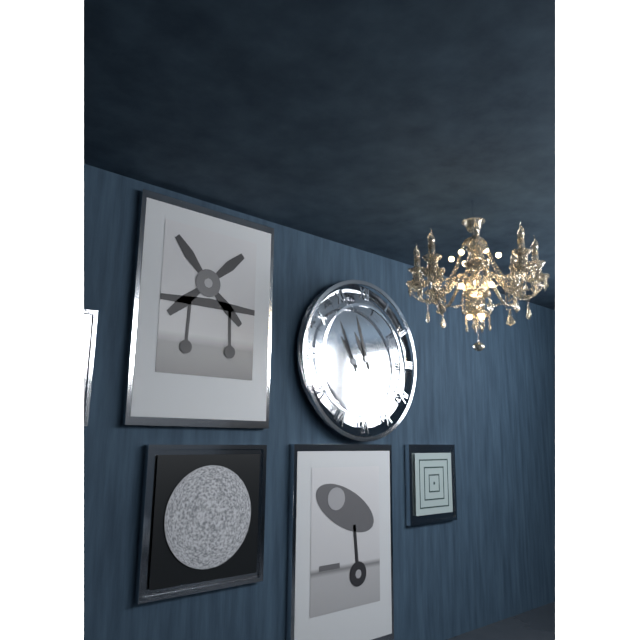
10:57
